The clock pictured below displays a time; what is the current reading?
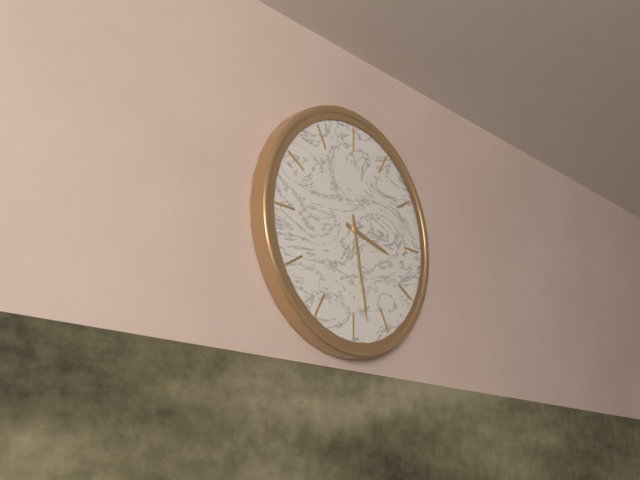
3:28
